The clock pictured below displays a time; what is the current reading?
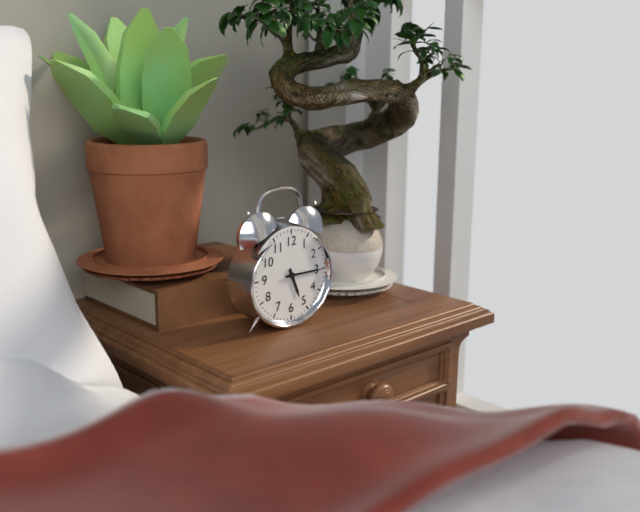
5:15
